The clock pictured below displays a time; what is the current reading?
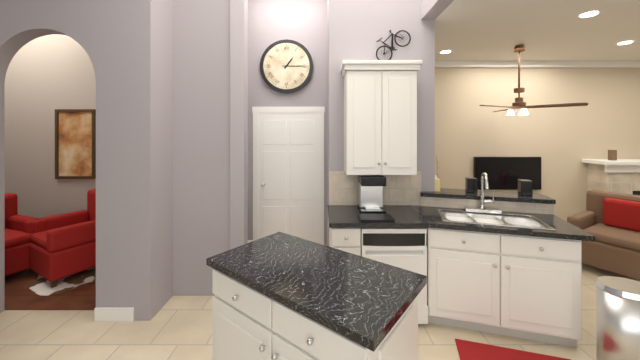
1:15
